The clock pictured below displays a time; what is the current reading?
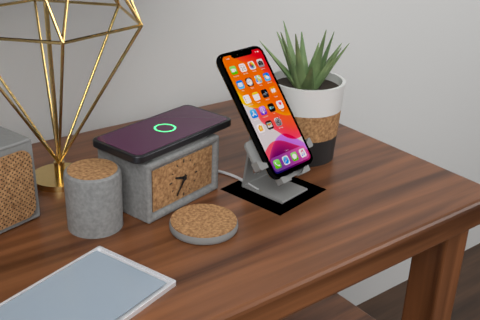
9:36
